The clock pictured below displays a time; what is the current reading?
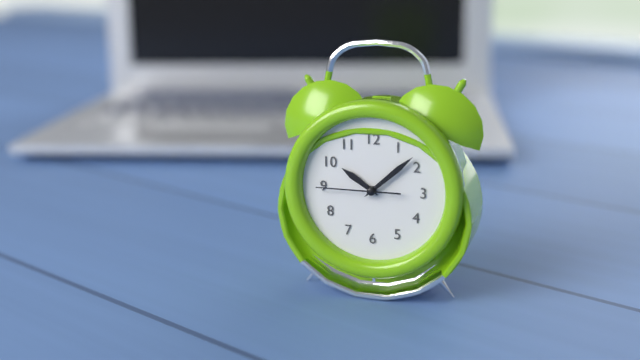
10:08:45
